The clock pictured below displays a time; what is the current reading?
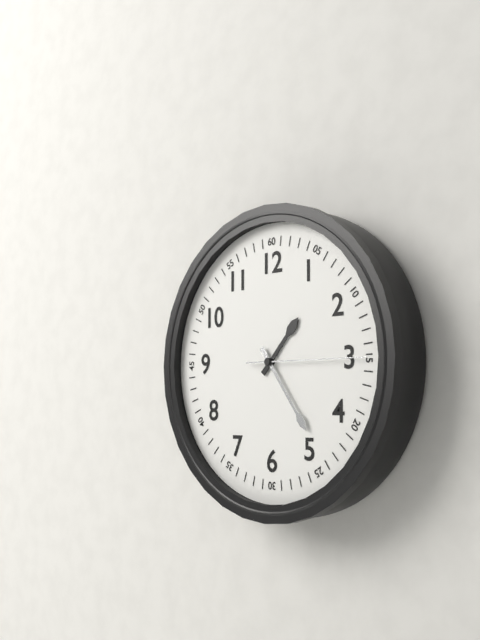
1:24:15
